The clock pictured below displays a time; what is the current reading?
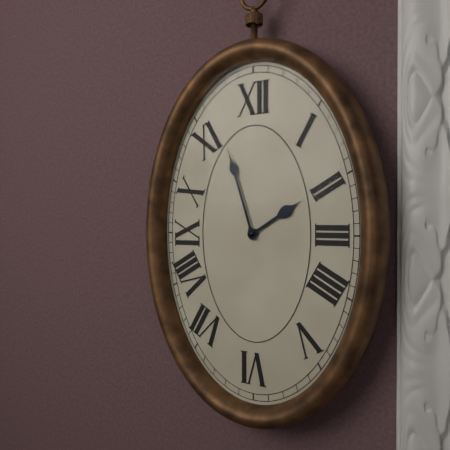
1:57
